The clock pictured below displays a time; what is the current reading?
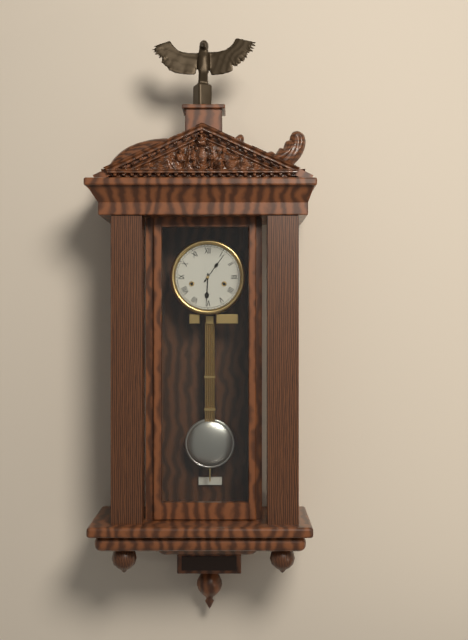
6:06
